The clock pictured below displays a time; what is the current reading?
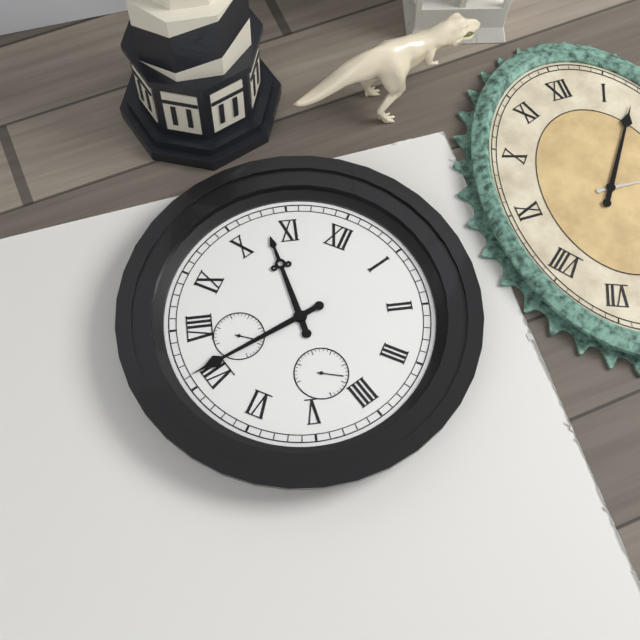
10:36
